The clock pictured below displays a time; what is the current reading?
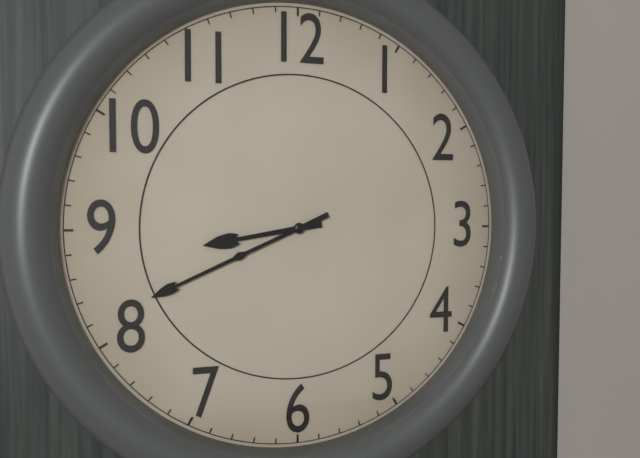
8:41
